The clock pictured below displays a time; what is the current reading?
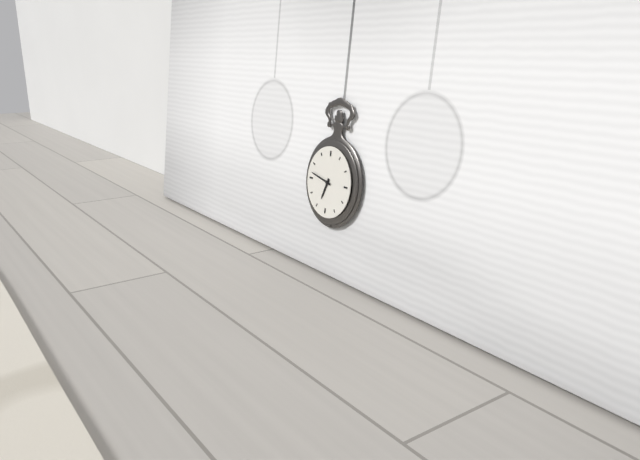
6:47
